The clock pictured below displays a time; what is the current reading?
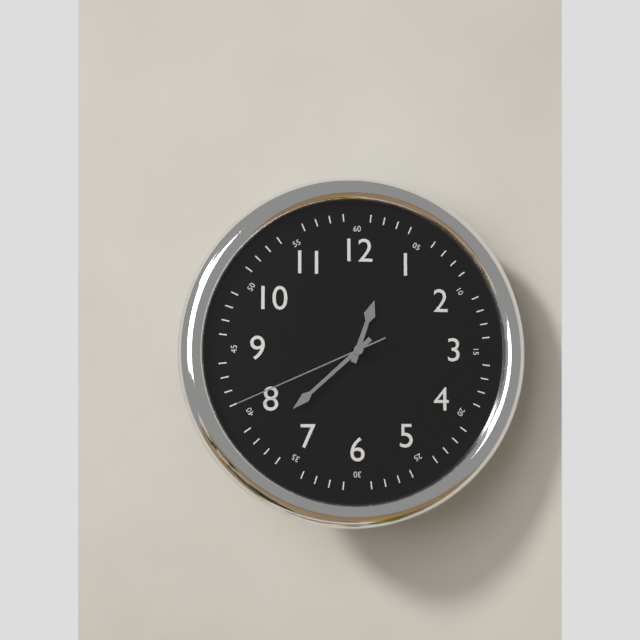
12:38:41
